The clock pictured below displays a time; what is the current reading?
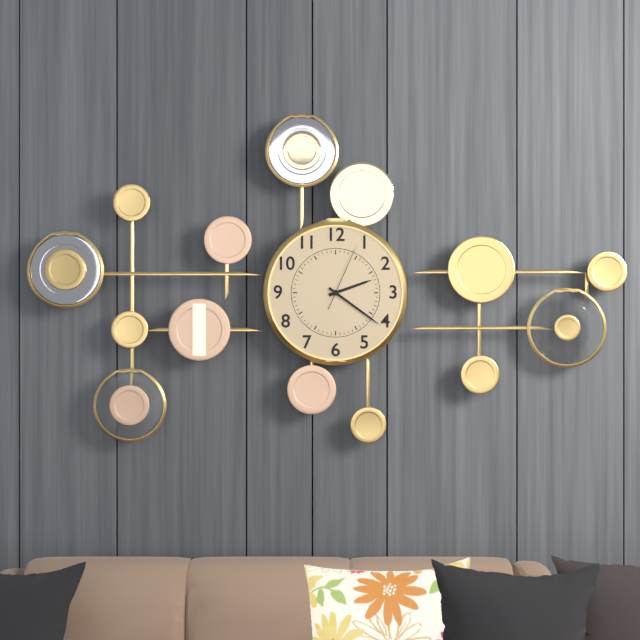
2:21:04
